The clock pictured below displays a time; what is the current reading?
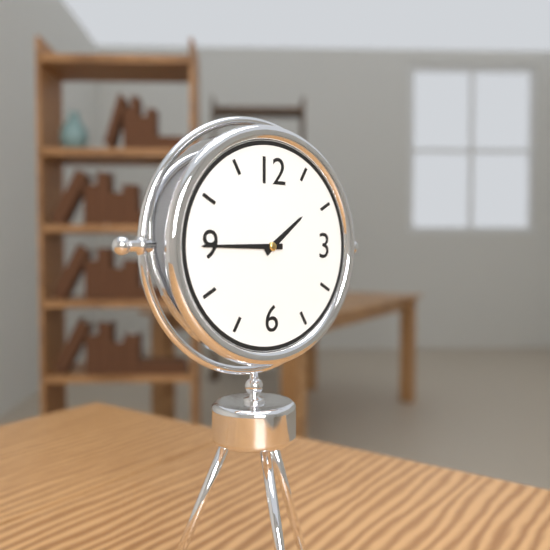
1:45
